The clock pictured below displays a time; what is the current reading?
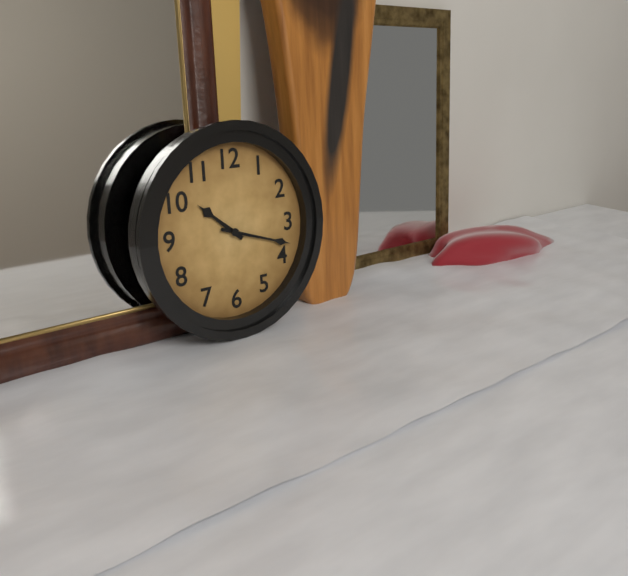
10:18
